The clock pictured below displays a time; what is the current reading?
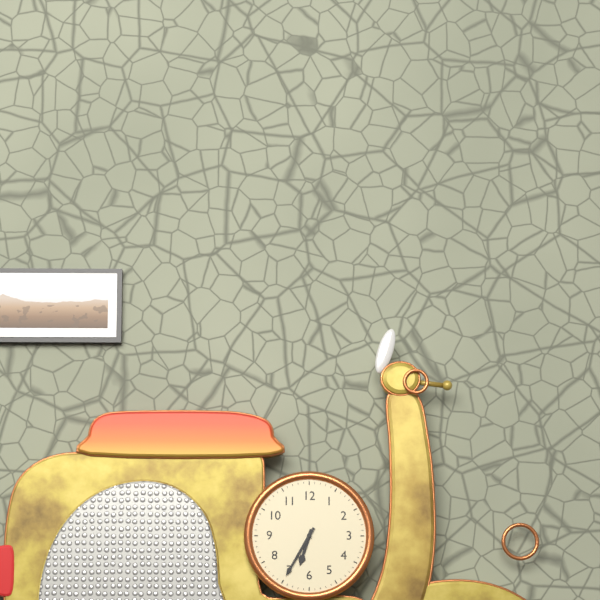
6:35
